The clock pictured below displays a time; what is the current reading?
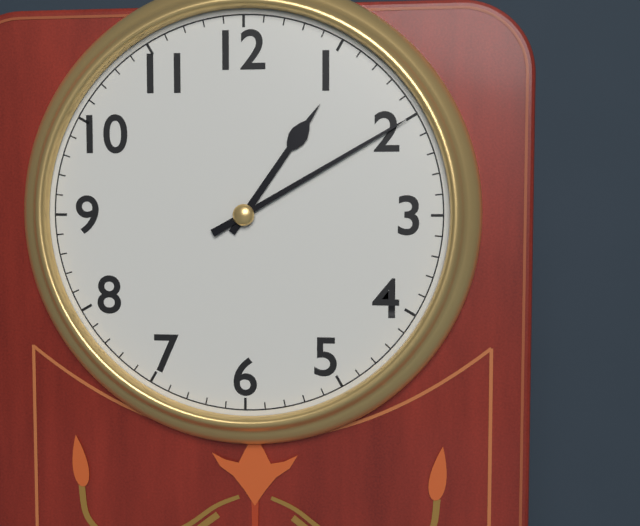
1:10
